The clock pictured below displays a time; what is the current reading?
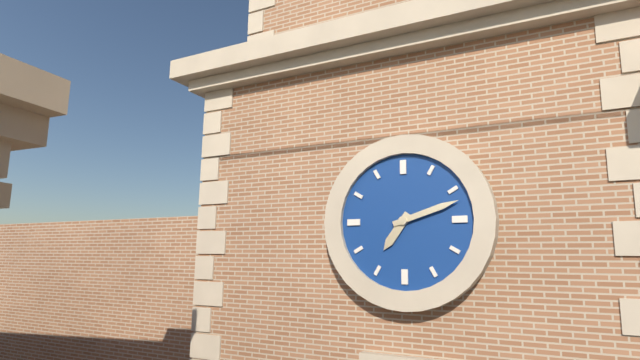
7:12
